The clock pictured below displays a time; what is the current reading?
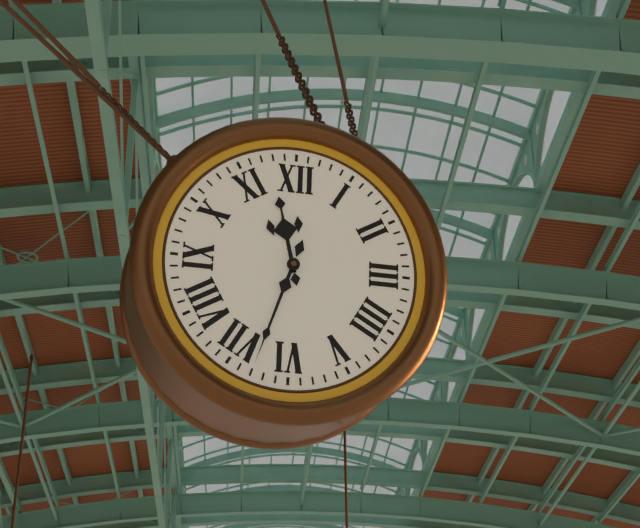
11:33
